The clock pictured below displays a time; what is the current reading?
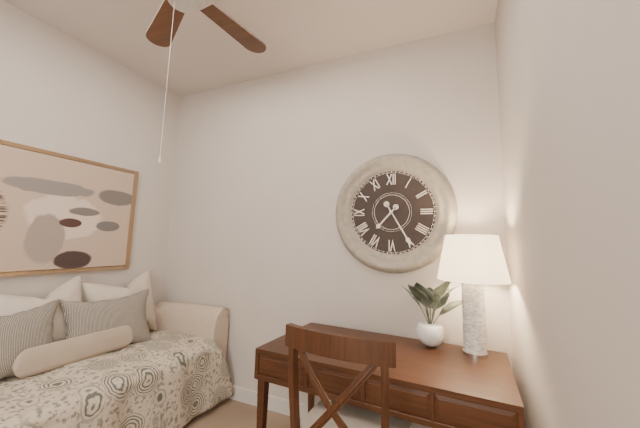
7:25
